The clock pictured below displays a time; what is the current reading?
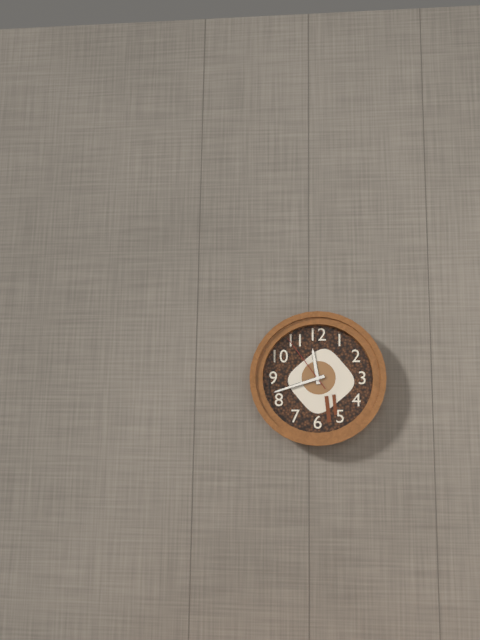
11:42:54
